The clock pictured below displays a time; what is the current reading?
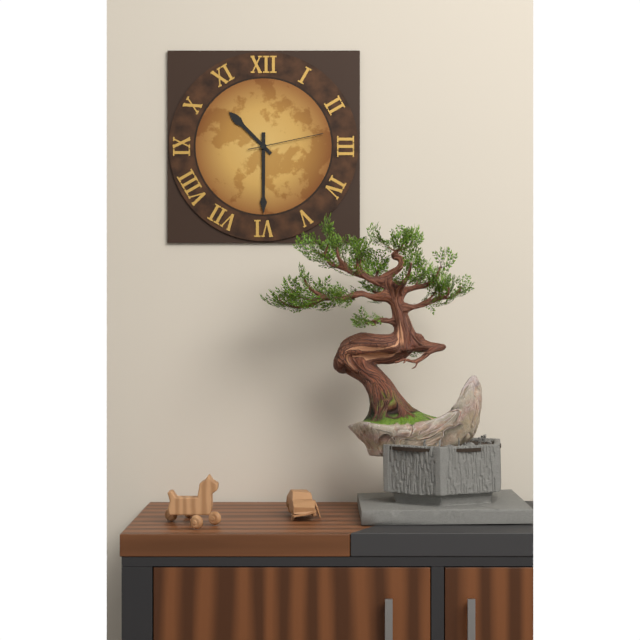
10:30:13
